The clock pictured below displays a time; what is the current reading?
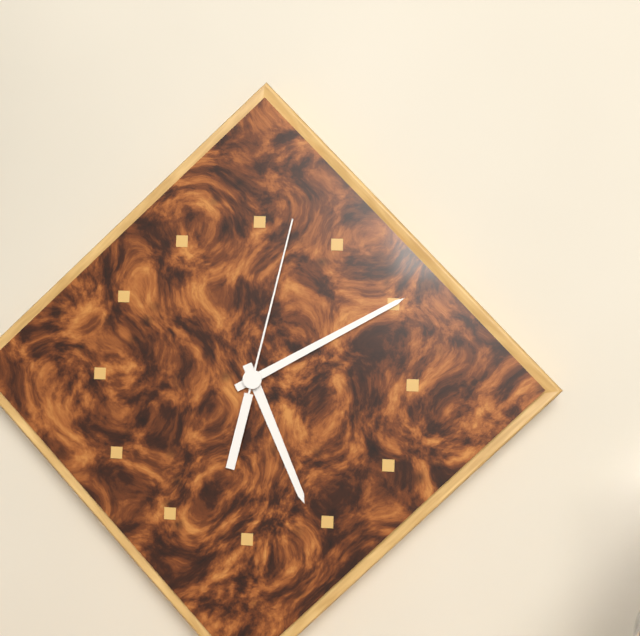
5:10:02
